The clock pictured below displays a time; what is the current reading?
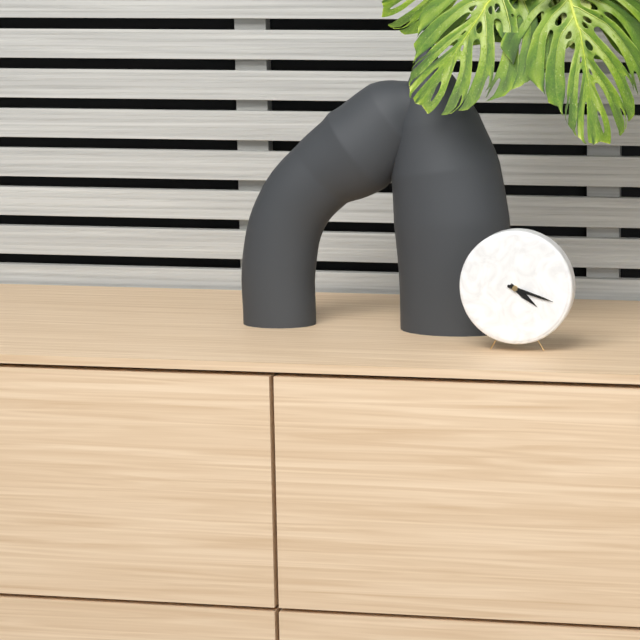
4:18
